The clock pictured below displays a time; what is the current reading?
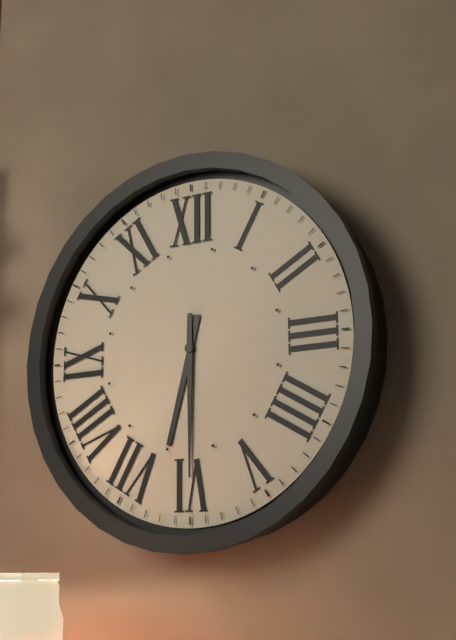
6:30
